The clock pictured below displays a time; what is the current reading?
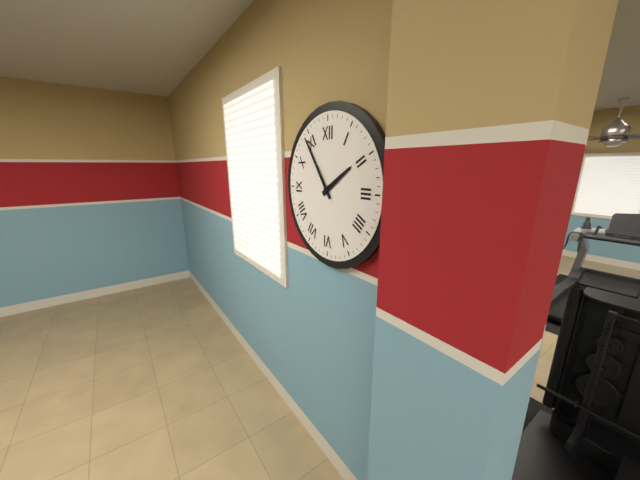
1:54
